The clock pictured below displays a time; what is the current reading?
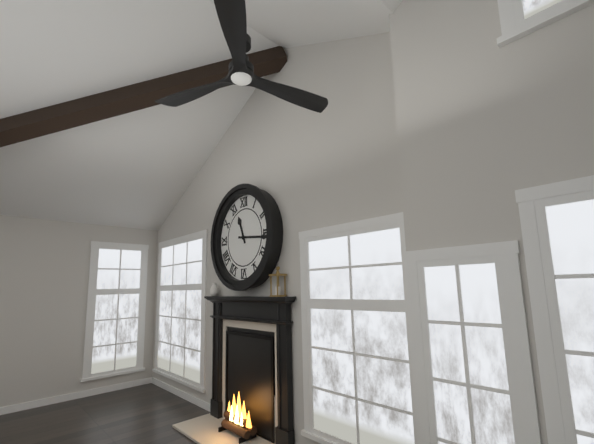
11:16
